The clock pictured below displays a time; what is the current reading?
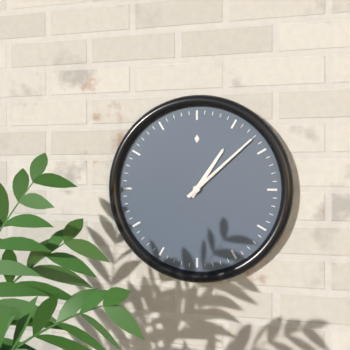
1:08
